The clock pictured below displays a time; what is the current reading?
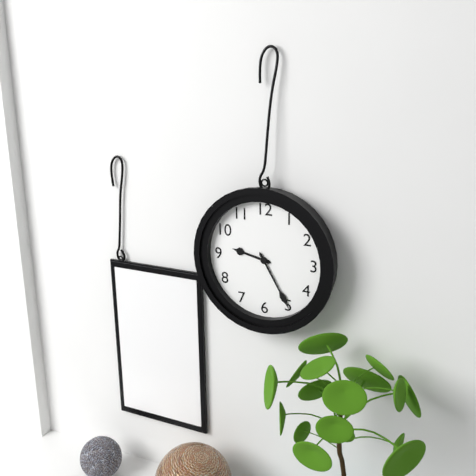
9:25
